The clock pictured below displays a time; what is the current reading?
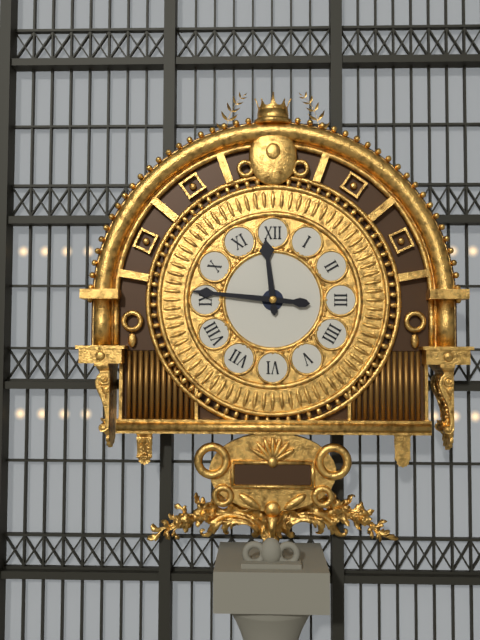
11:46
